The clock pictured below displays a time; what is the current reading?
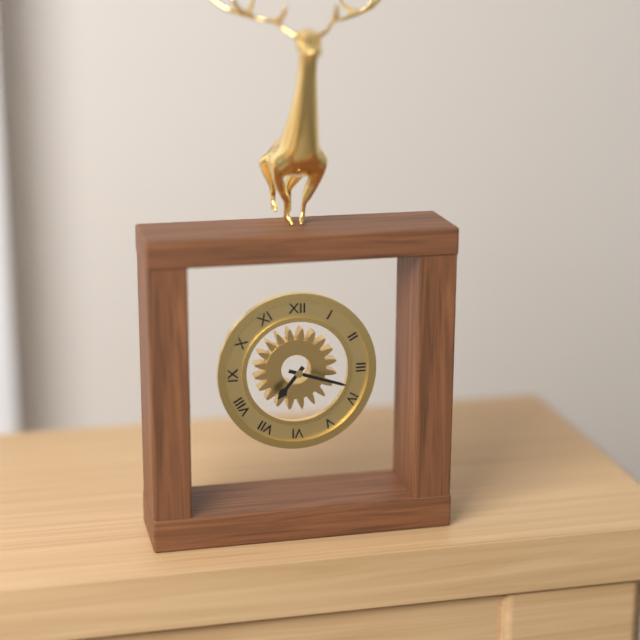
7:18
